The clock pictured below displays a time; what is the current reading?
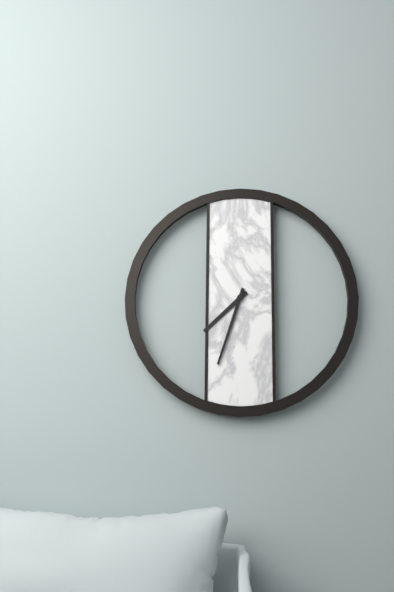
7:33
